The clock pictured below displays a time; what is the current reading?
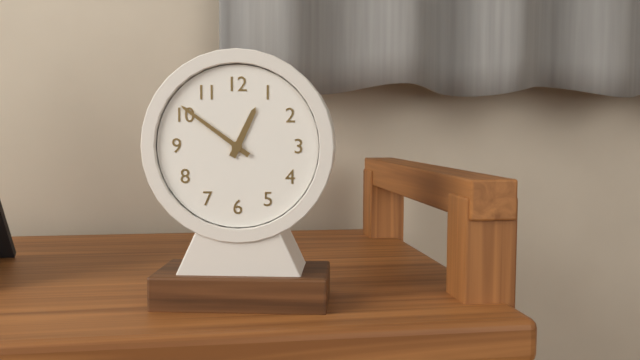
12:51
